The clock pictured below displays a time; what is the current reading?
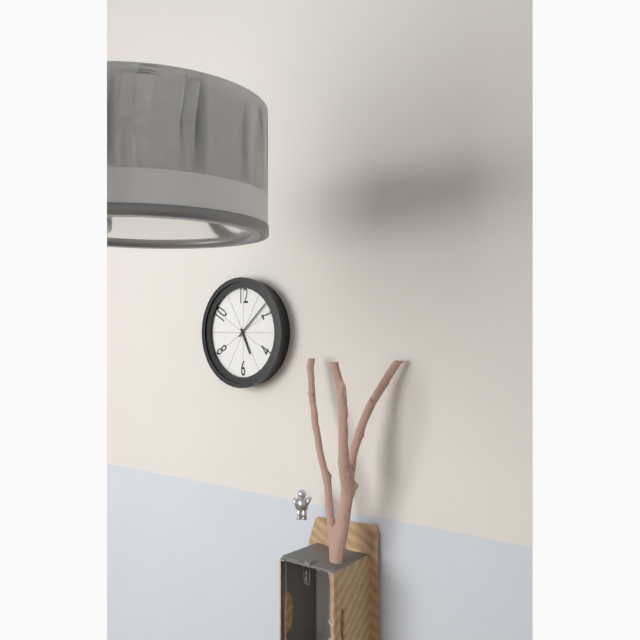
5:08
